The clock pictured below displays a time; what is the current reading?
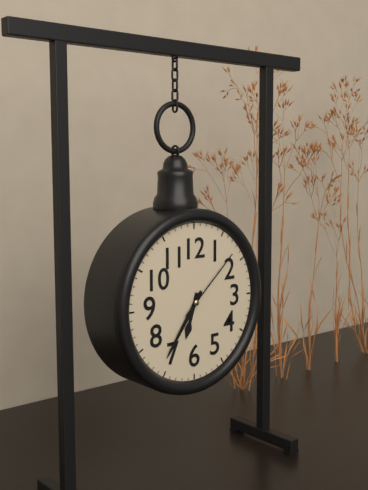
6:36:08
